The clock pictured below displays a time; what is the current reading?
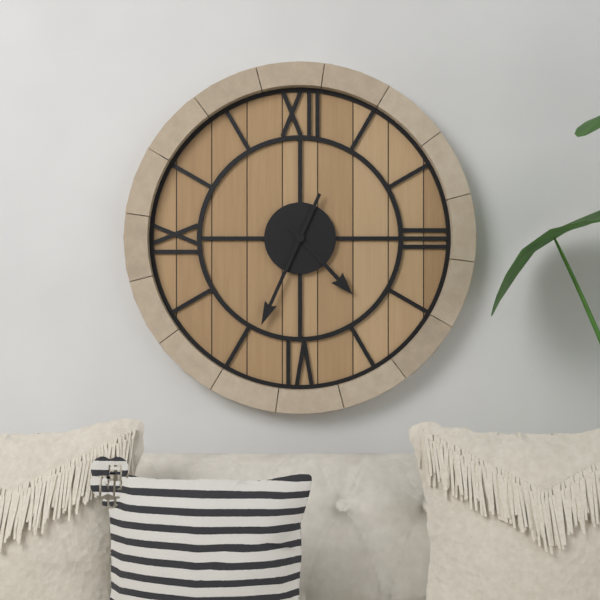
4:34
